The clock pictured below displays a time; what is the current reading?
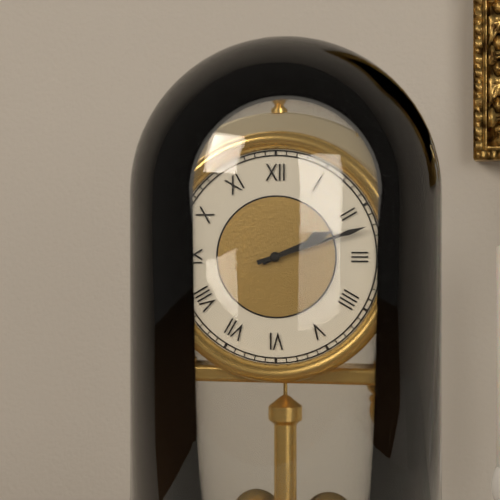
2:12
